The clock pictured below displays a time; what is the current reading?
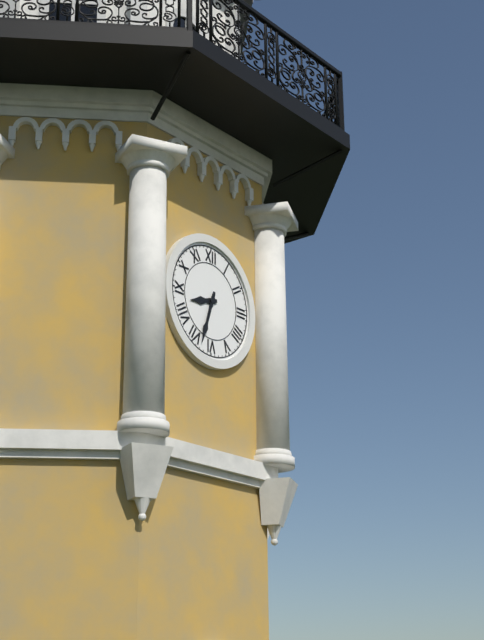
8:33
